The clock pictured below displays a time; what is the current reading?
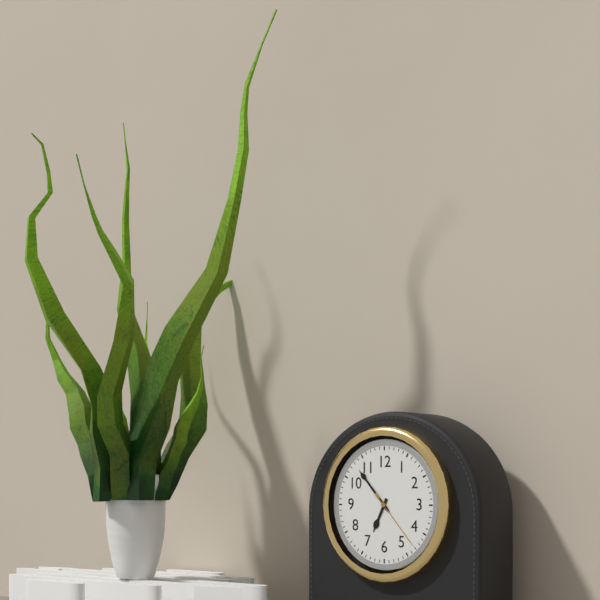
6:53:23
